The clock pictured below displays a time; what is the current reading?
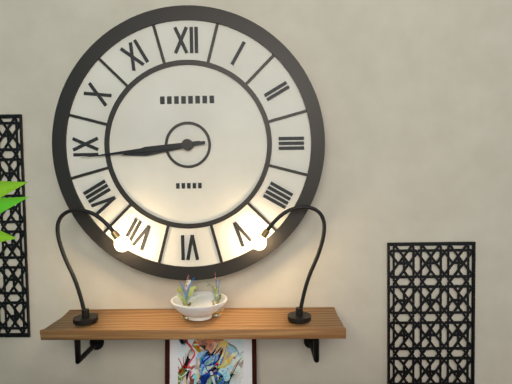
8:44
